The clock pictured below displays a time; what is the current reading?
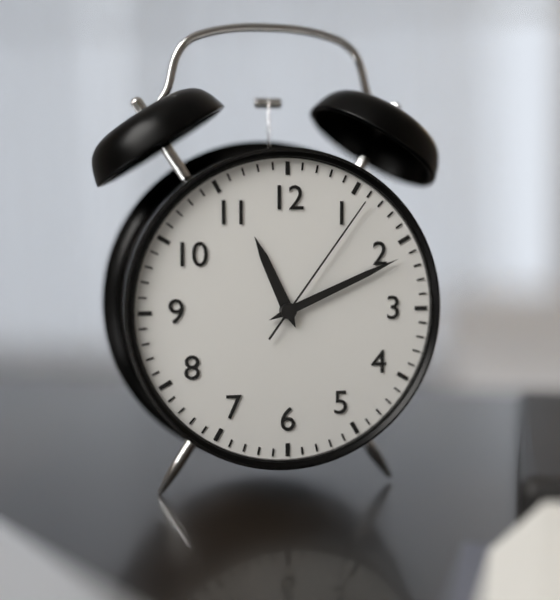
11:11:06
